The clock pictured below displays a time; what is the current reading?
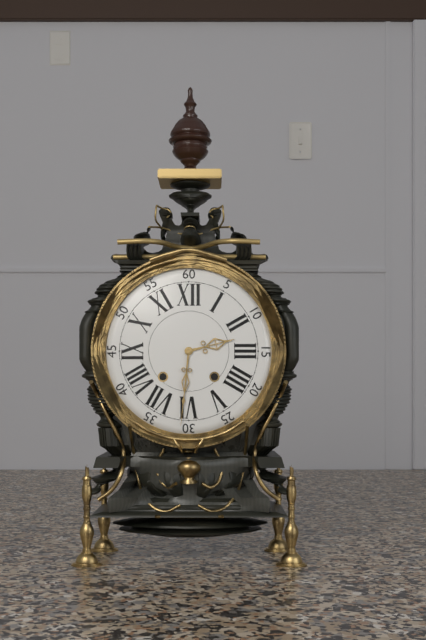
2:31
